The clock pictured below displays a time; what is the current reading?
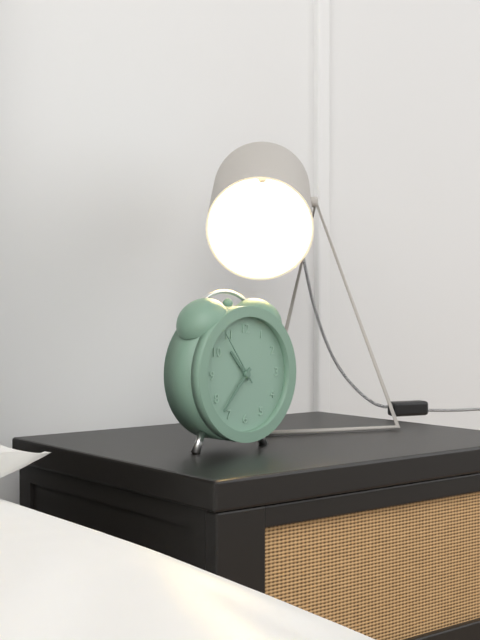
10:37:54
